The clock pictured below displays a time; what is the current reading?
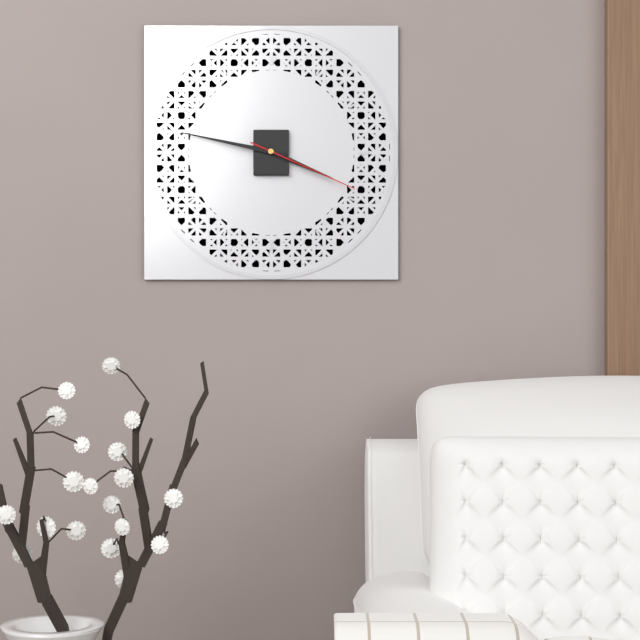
3:47:19
